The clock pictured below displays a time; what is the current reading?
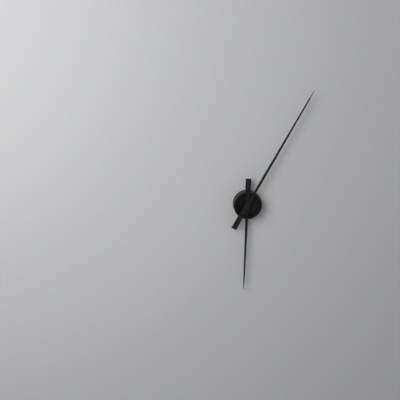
6:05
